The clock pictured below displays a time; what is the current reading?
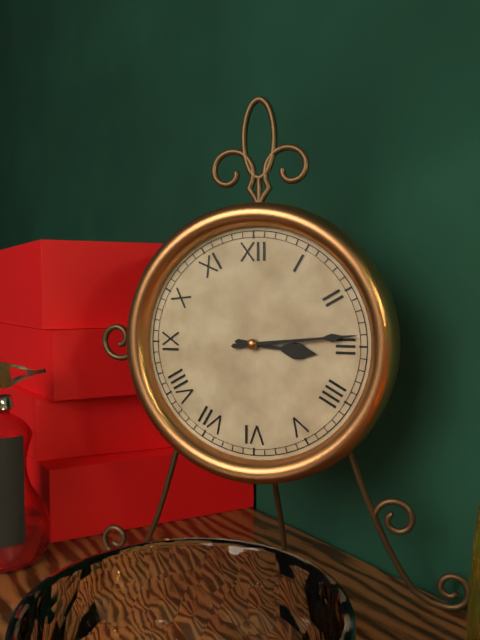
3:14
